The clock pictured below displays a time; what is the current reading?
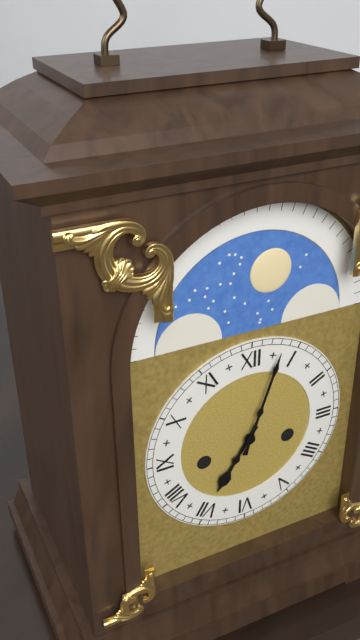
7:03
